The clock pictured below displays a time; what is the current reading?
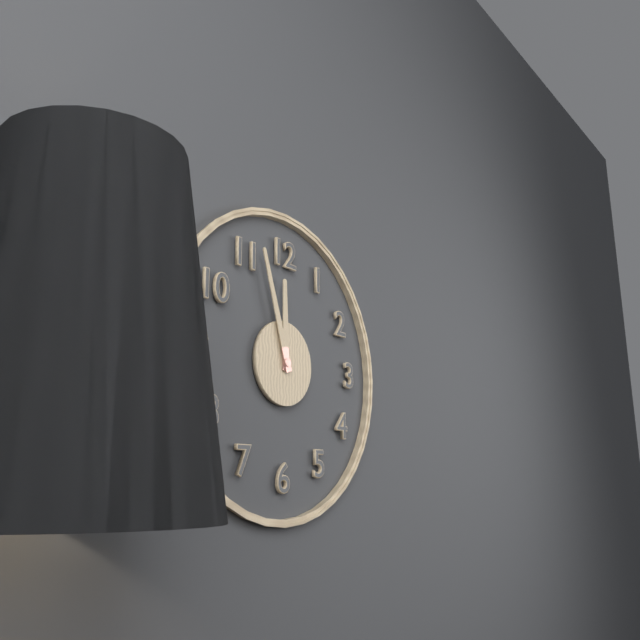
11:57
